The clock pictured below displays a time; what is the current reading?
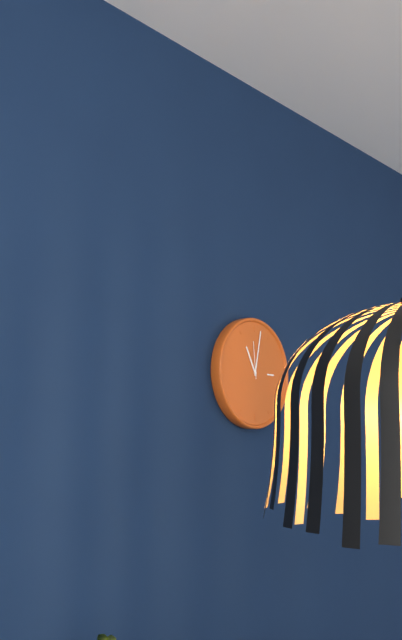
11:02
